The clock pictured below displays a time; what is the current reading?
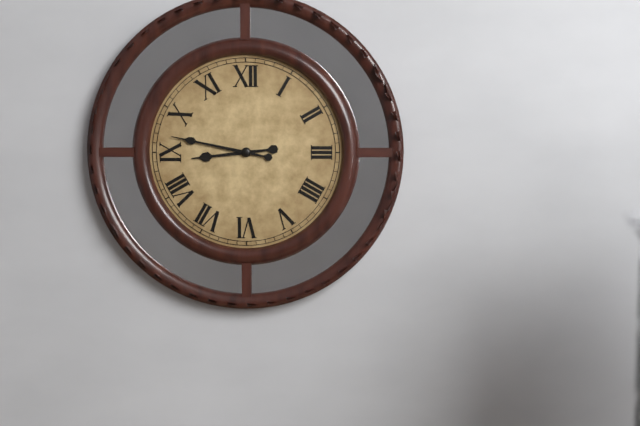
8:47
